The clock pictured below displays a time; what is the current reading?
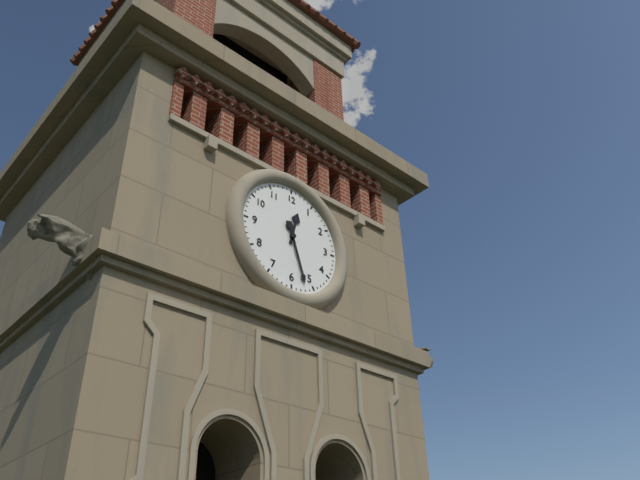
12:27
